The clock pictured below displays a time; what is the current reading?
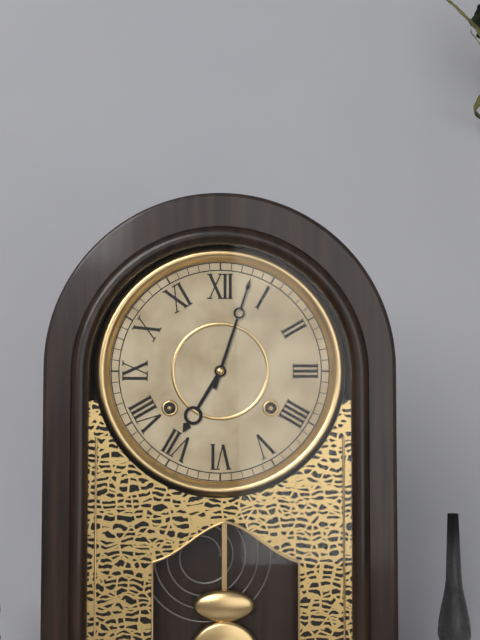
7:03
